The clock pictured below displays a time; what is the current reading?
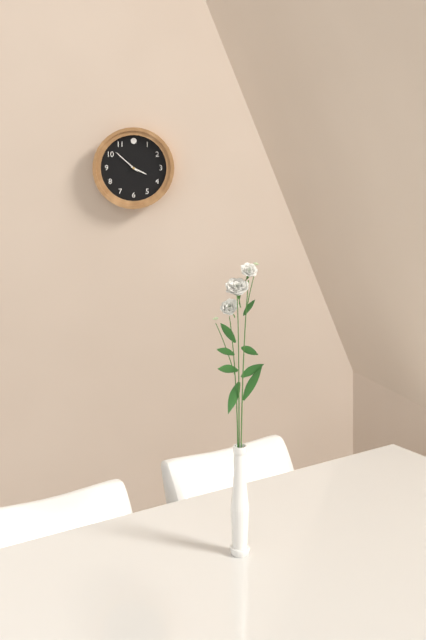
3:52
